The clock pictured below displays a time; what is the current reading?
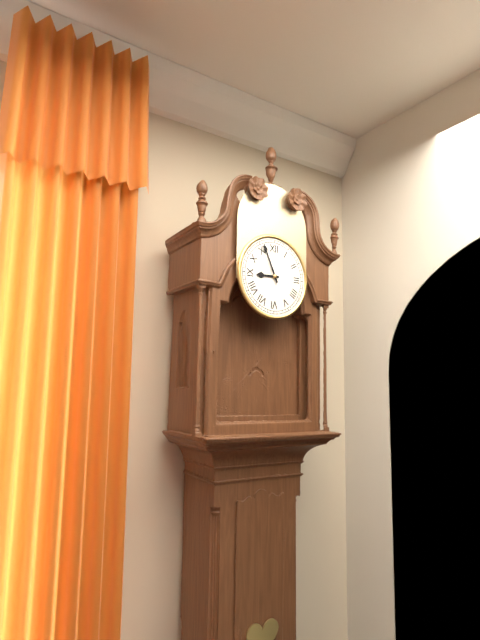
8:56
